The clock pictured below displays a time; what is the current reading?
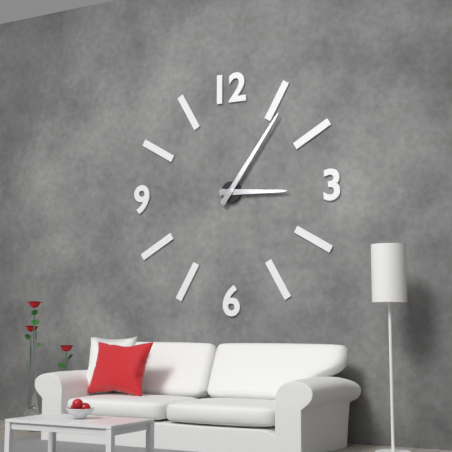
3:06
